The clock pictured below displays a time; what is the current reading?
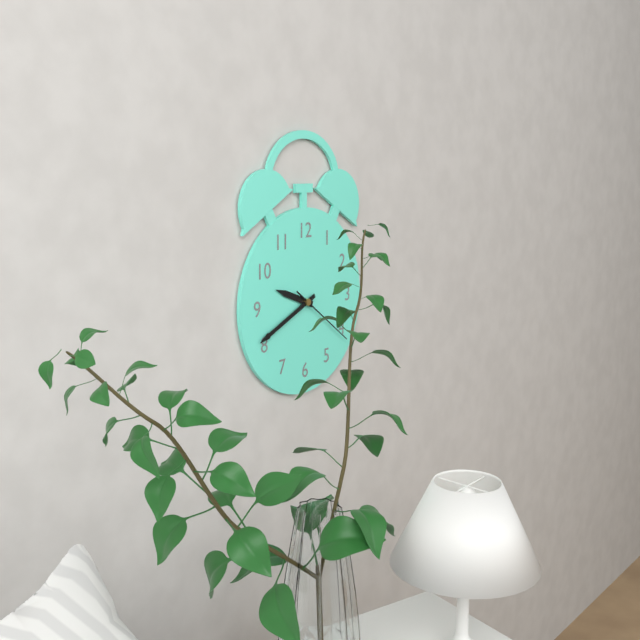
9:41:21
